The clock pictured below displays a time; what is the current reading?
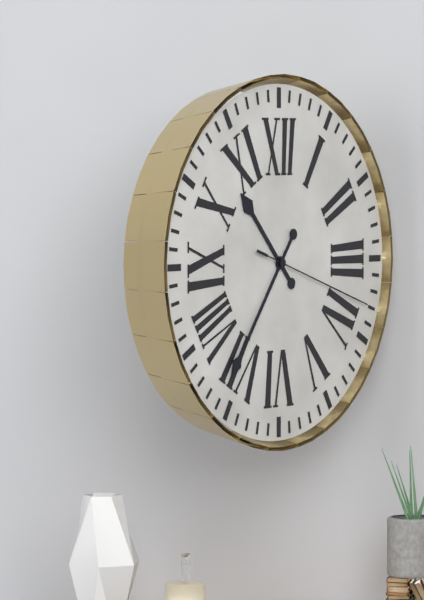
10:36:18
